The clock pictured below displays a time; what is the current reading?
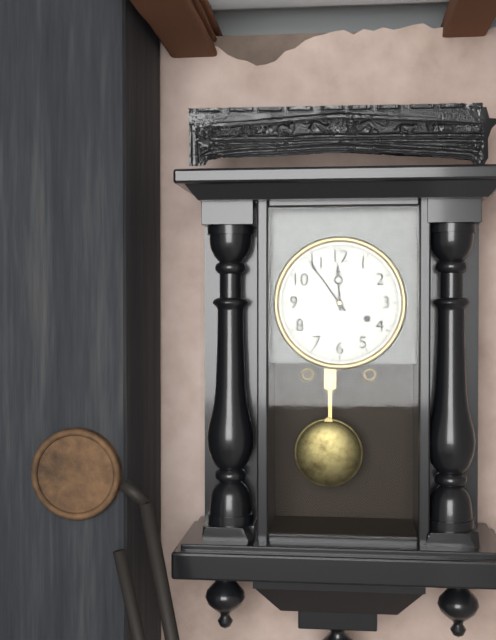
11:54
